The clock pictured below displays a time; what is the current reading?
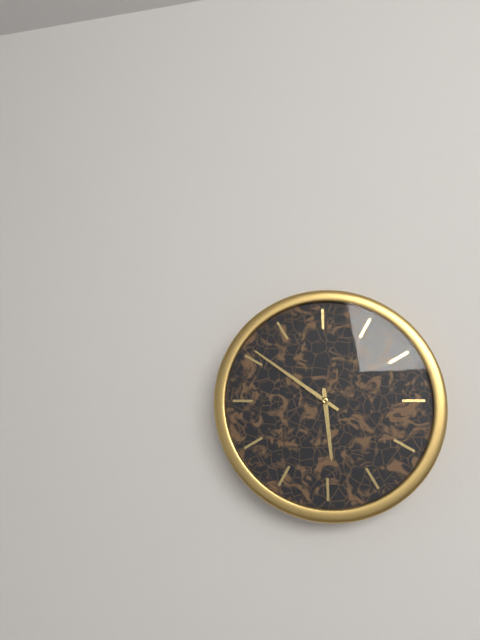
5:51
